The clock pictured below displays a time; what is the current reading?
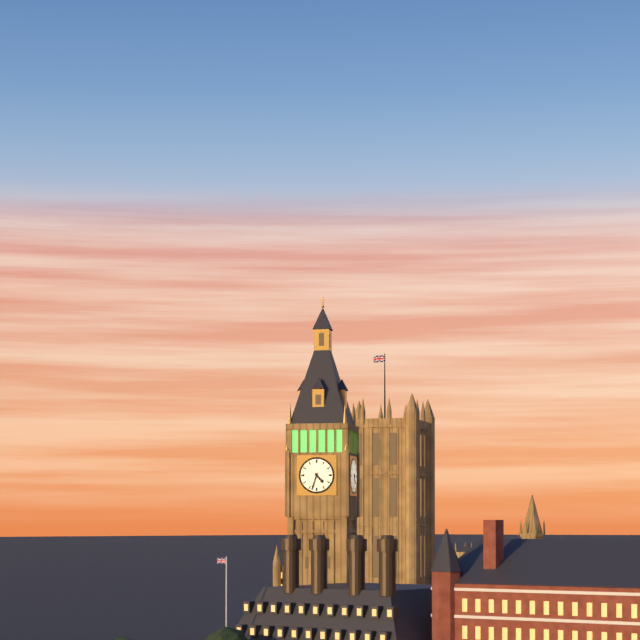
4:33
